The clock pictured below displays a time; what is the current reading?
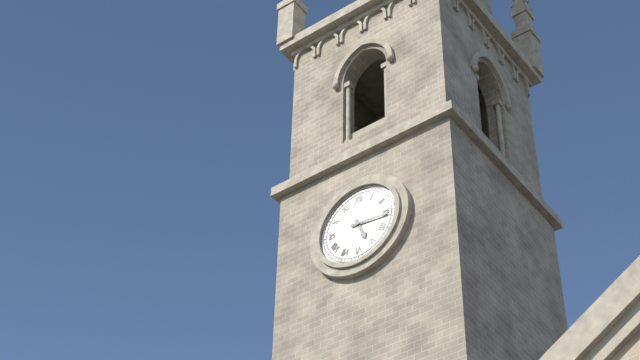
5:16
